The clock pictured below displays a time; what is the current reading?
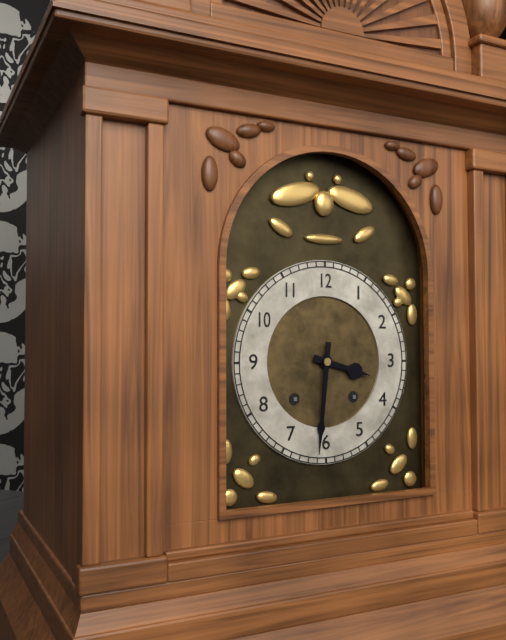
3:31
